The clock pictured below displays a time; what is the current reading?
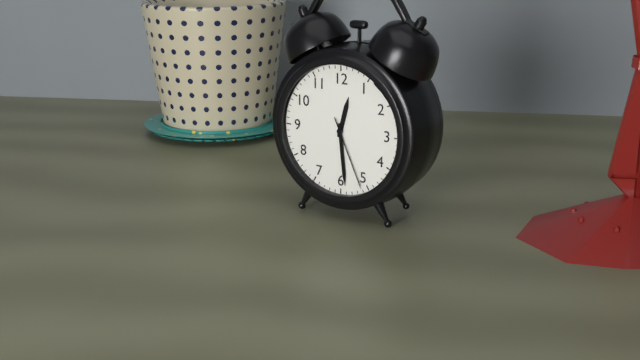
12:29:26
